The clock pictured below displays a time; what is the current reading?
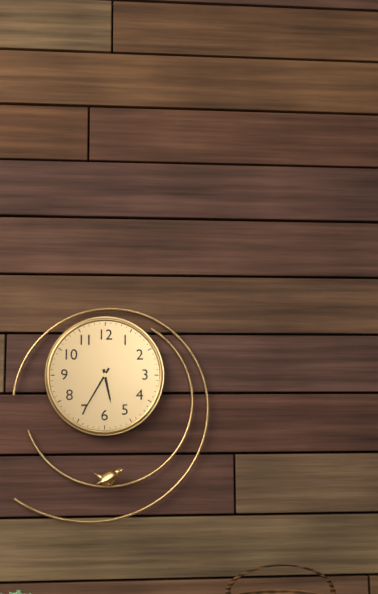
5:35
